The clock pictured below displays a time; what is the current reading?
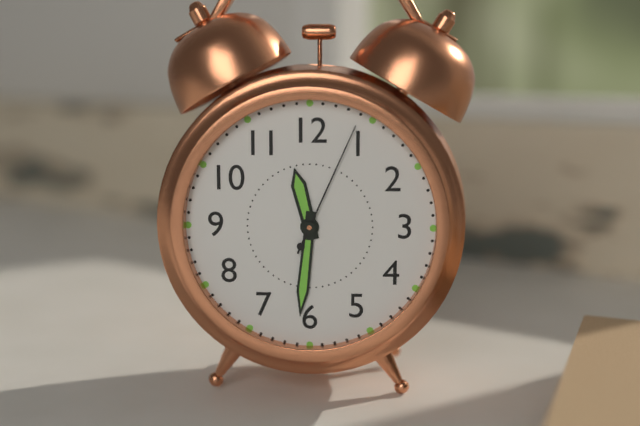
11:31:04
